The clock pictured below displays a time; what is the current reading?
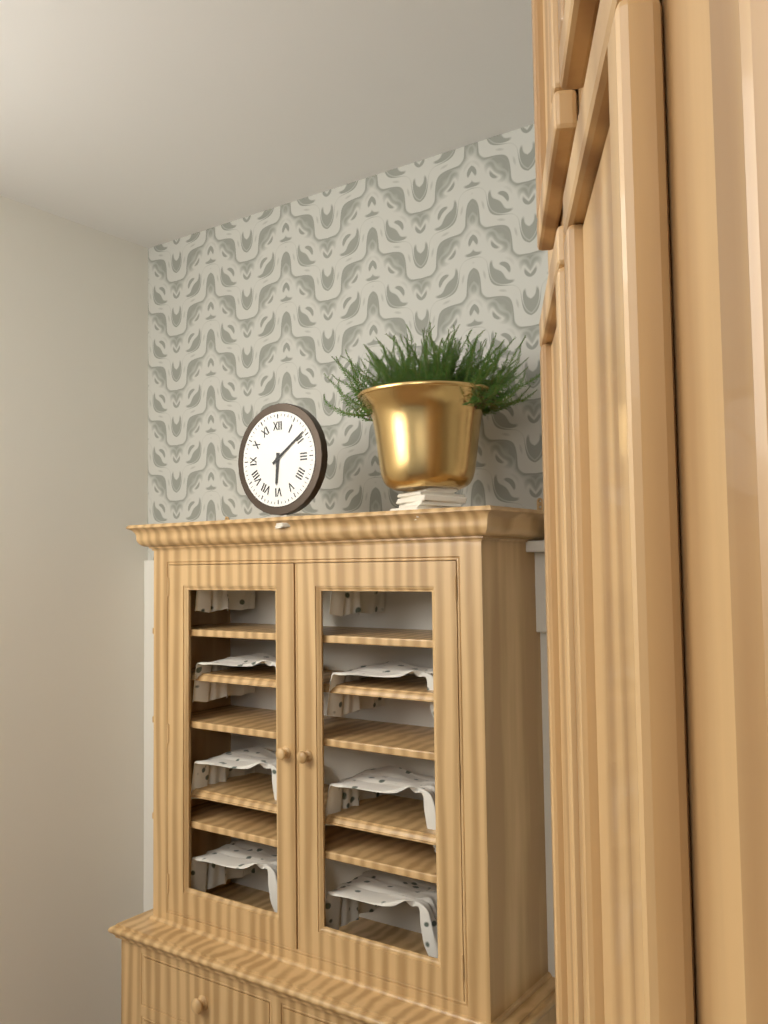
6:09
